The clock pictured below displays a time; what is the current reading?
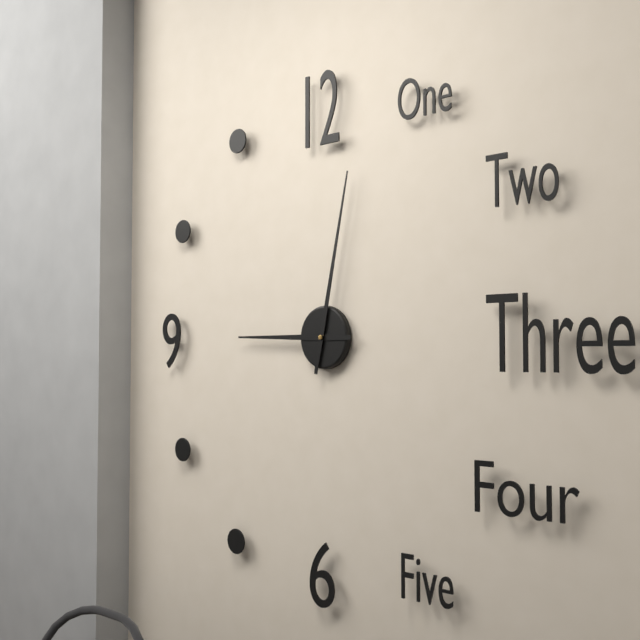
9:02
